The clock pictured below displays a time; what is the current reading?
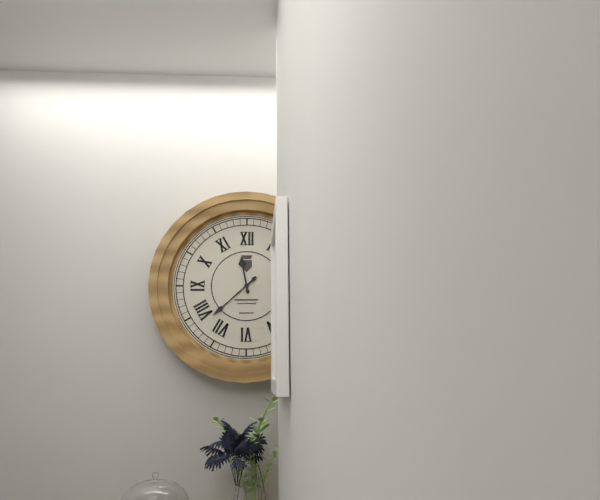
11:38
